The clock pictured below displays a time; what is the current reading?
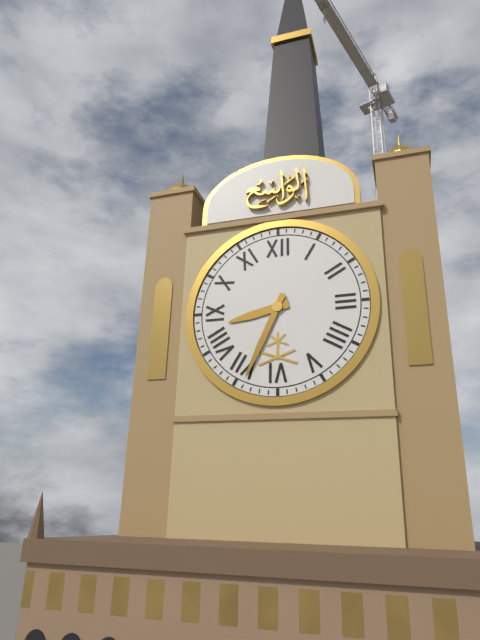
8:34
